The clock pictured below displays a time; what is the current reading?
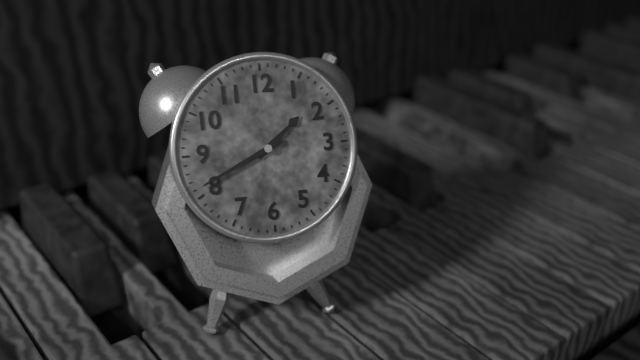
1:41
